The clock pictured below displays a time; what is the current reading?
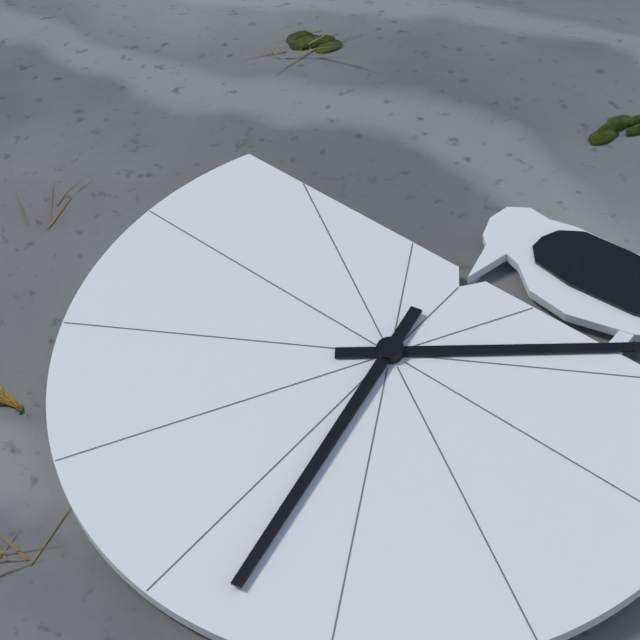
4:43
